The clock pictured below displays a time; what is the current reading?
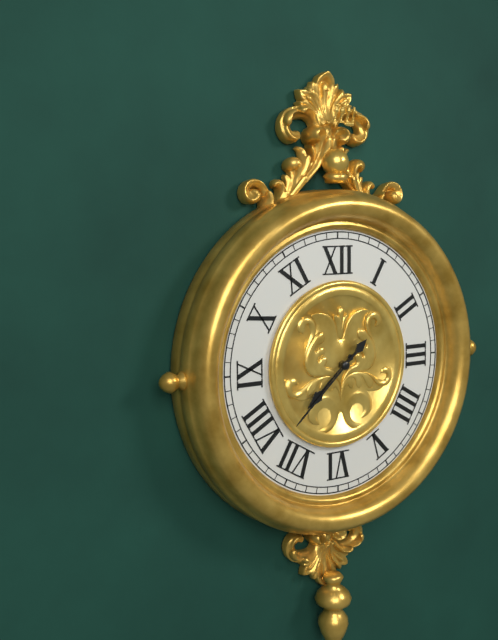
7:38
